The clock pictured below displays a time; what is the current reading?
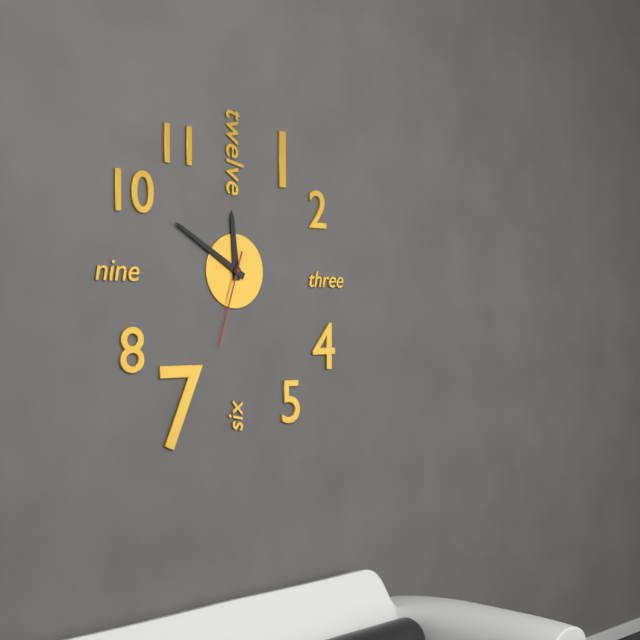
11:50:33
